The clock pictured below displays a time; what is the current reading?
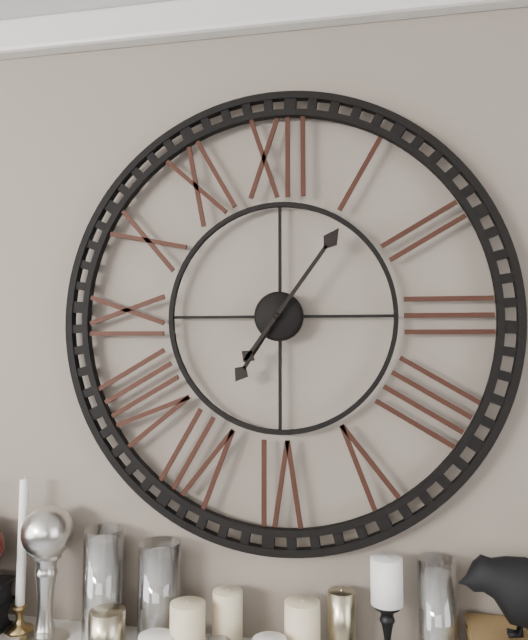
7:06
